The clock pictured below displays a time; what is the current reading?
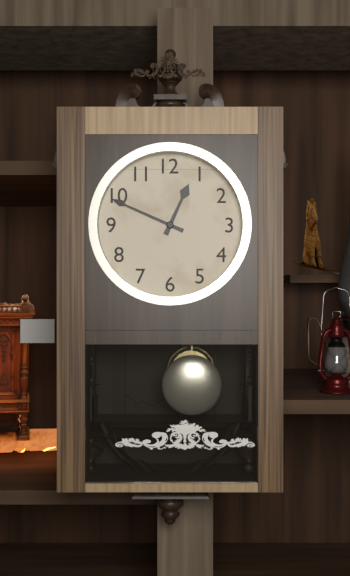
12:49
